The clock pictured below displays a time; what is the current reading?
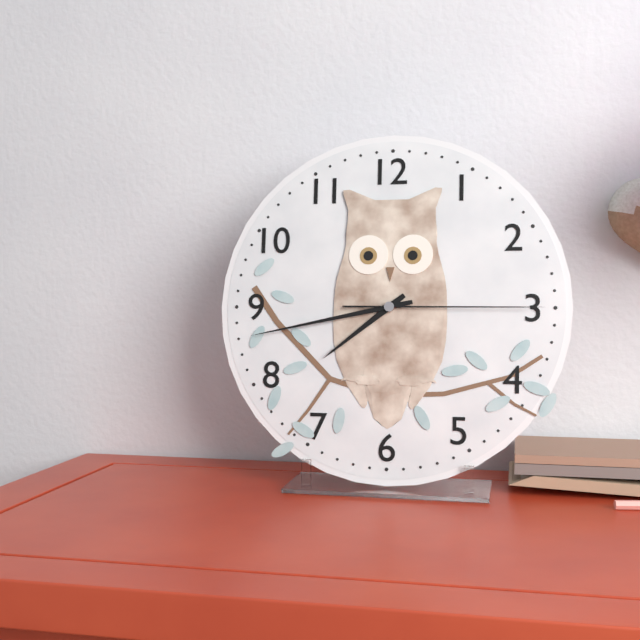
7:43:15
